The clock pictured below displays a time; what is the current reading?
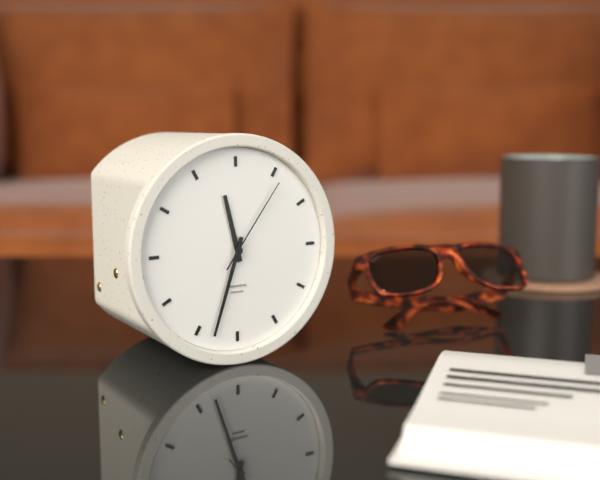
11:33:06
